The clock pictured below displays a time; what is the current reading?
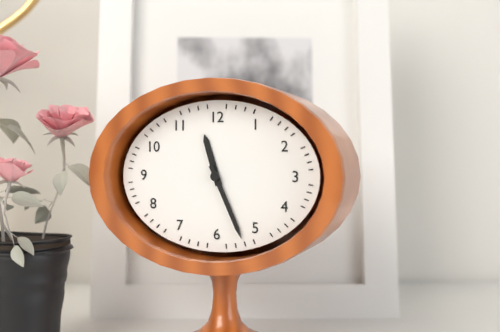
11:26
